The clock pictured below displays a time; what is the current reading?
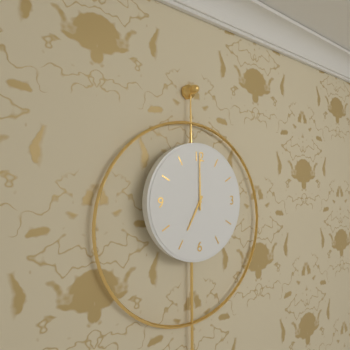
7:00
